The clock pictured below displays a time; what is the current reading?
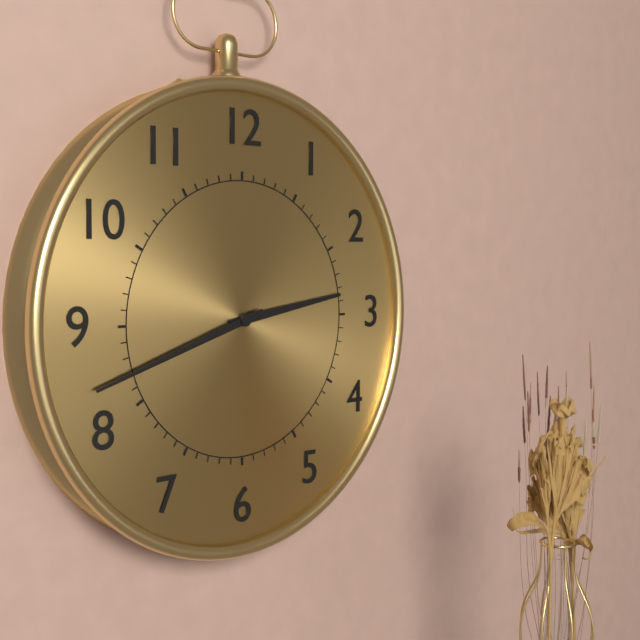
2:42
